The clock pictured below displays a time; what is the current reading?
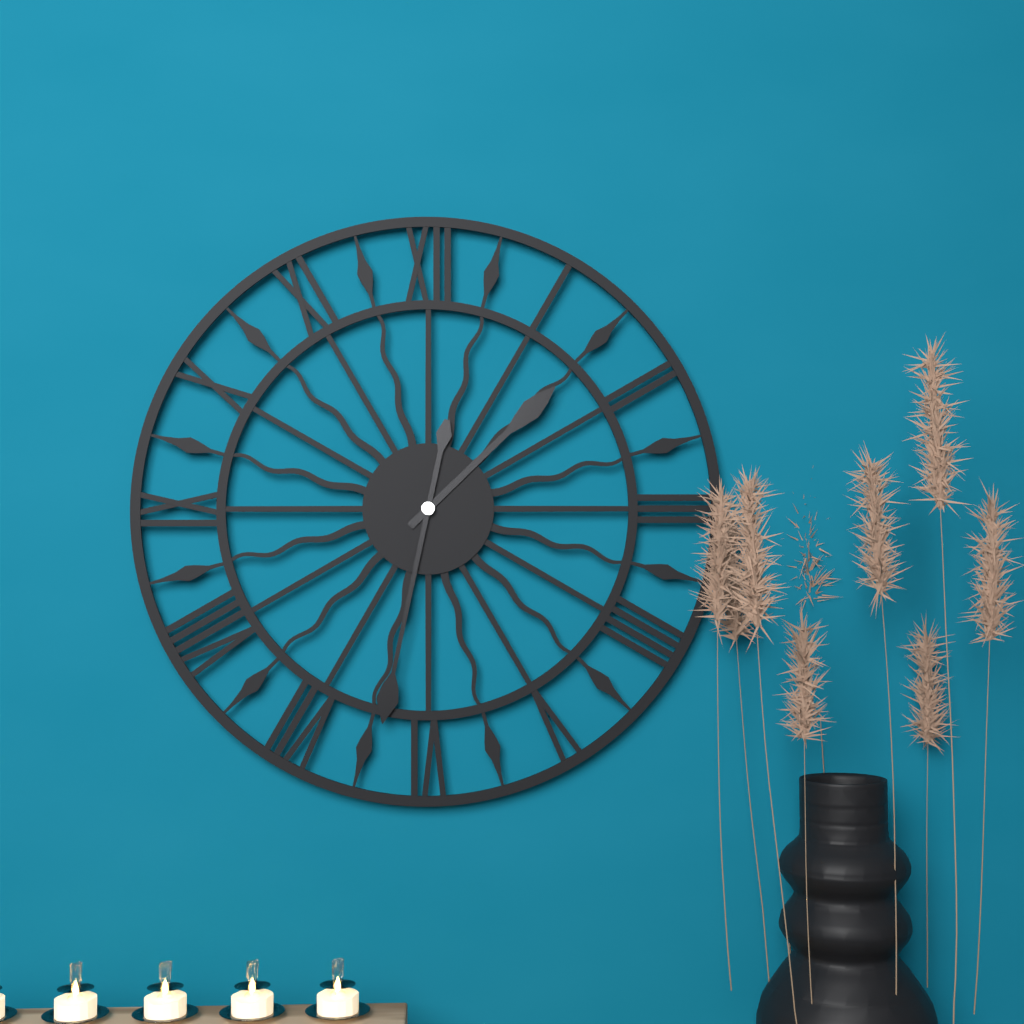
1:32
